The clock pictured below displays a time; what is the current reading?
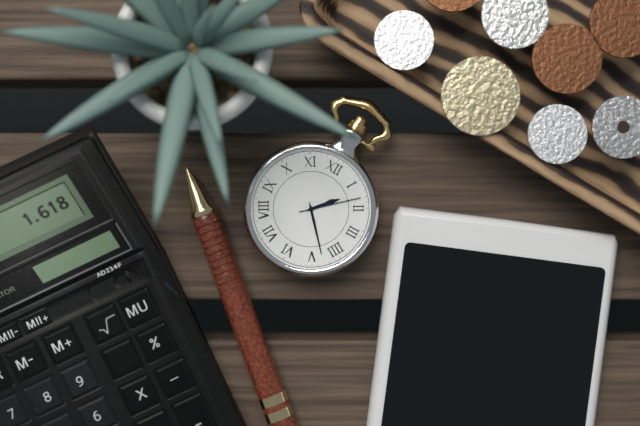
1:23:08
